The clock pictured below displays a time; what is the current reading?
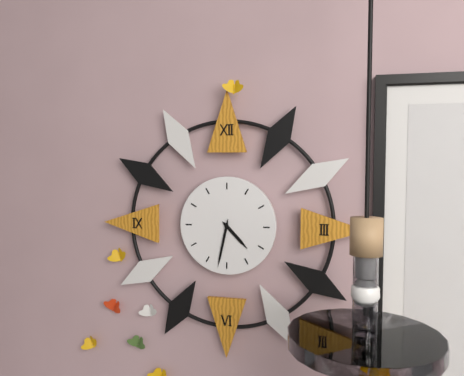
4:32
